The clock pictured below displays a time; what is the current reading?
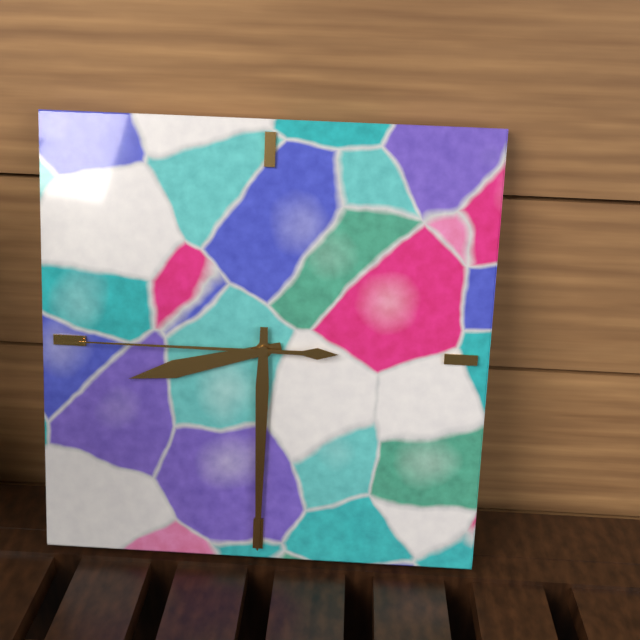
8:30:45
